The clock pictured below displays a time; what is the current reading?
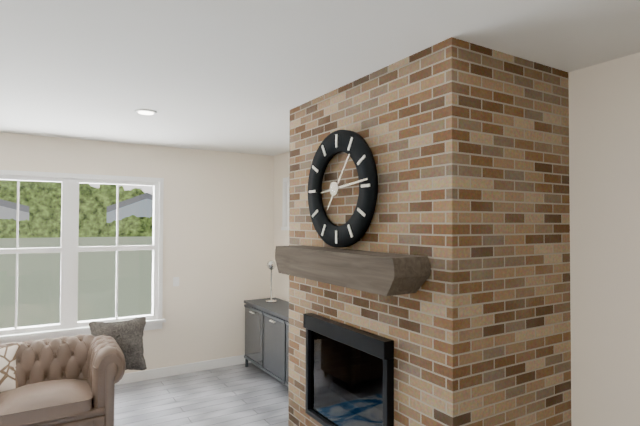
1:14
